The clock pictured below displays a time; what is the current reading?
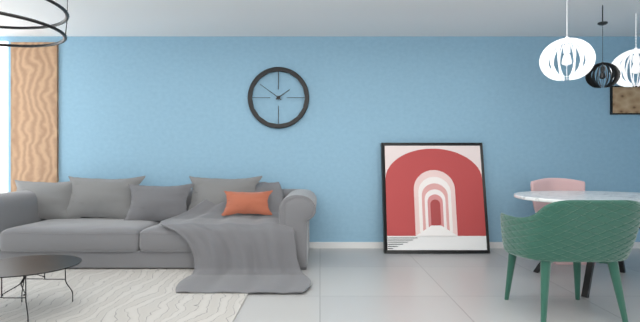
1:51
